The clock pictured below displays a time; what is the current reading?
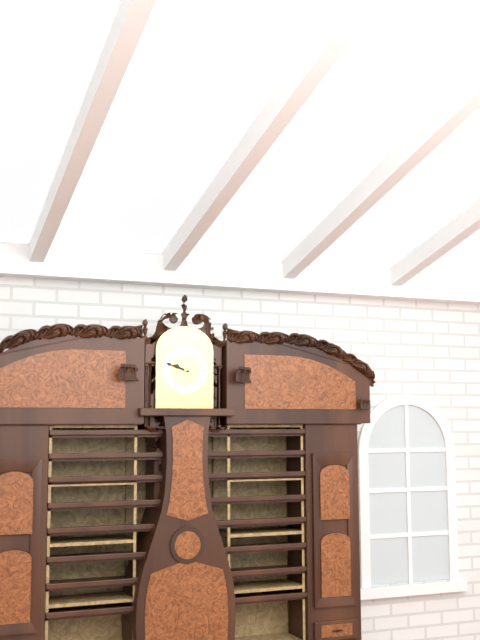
9:48
